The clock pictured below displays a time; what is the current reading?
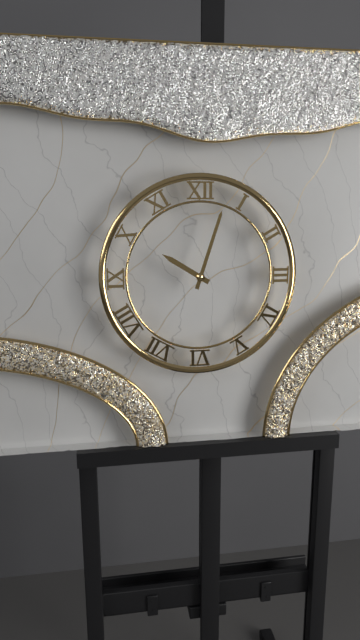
10:03
